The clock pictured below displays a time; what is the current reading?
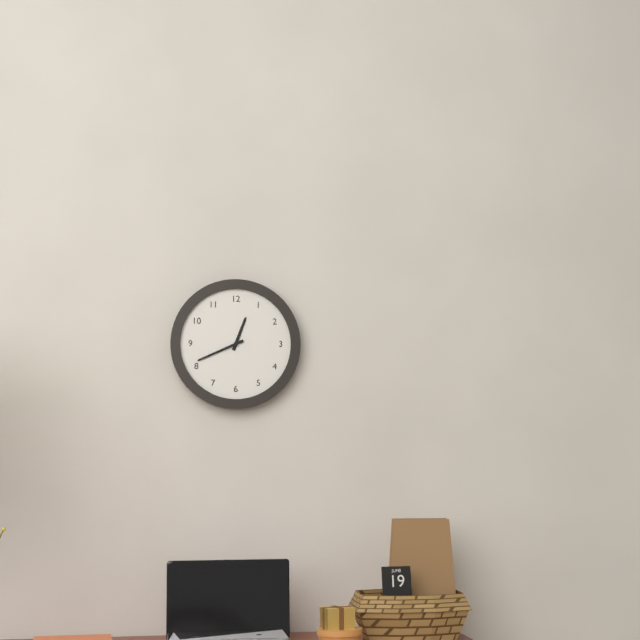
12:41
